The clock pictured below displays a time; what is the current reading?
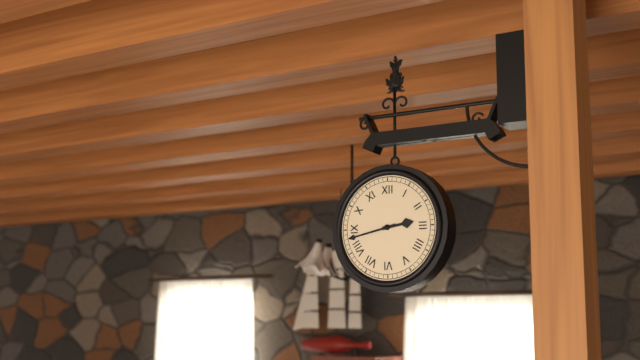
2:43
